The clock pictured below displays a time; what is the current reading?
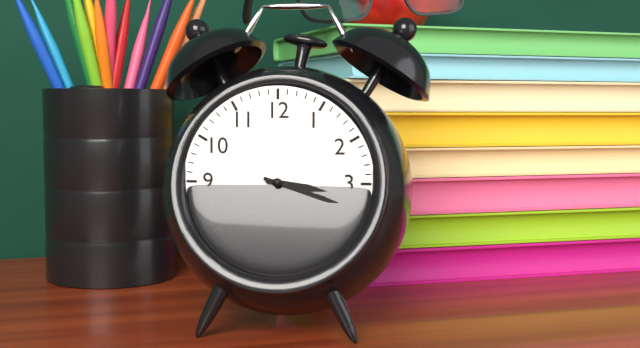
3:18
